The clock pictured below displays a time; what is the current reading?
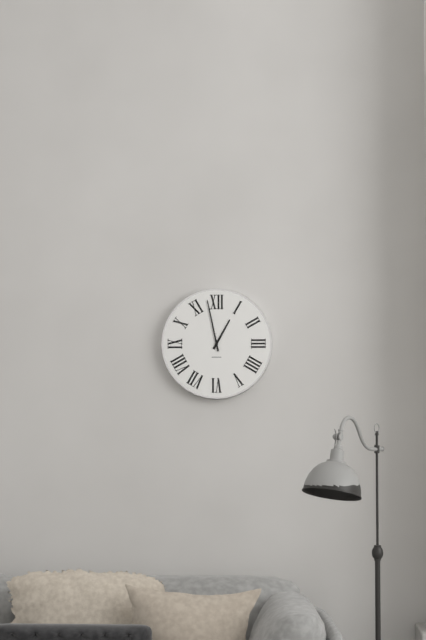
12:58
